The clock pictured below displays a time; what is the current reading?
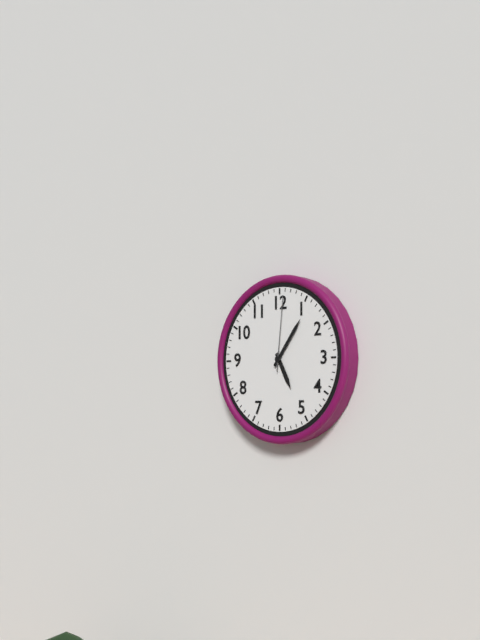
5:06:01
